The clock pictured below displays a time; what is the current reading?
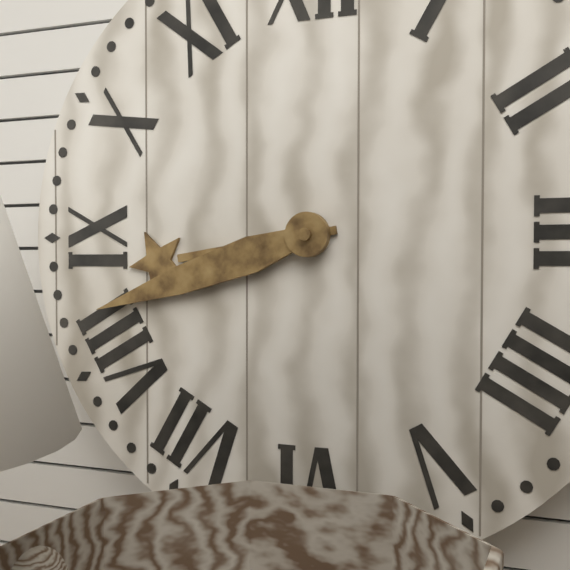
8:42
